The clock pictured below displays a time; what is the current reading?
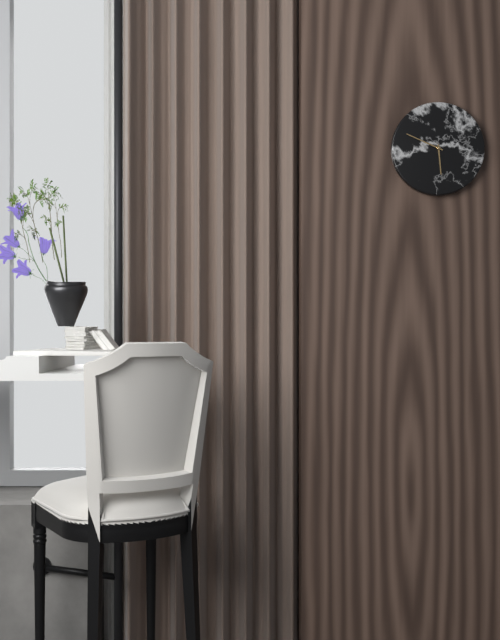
5:49
